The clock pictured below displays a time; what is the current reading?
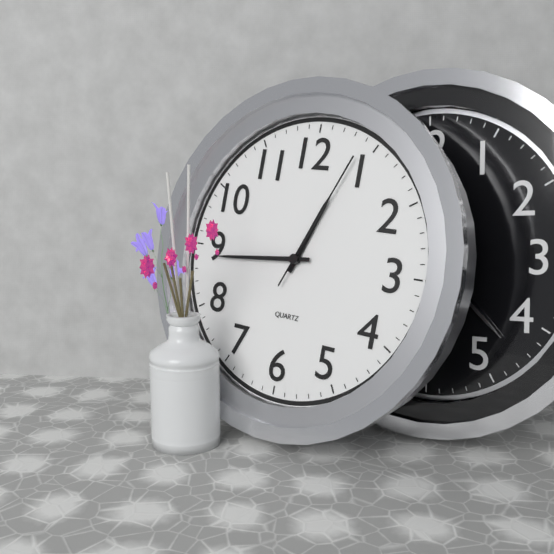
12:44:04
